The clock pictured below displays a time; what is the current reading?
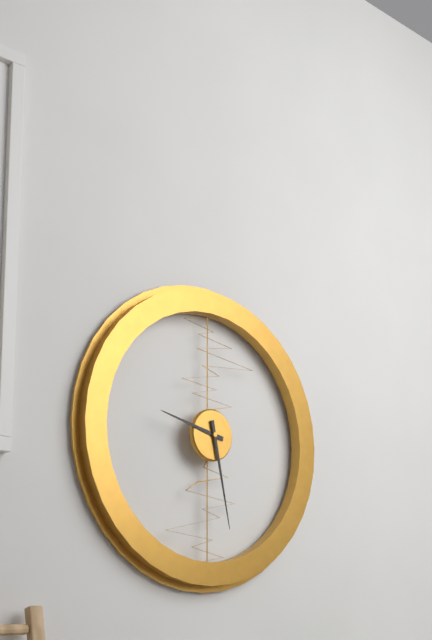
9:28
